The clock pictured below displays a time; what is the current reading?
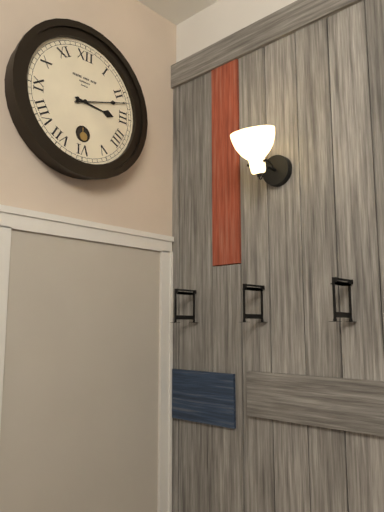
3:12
